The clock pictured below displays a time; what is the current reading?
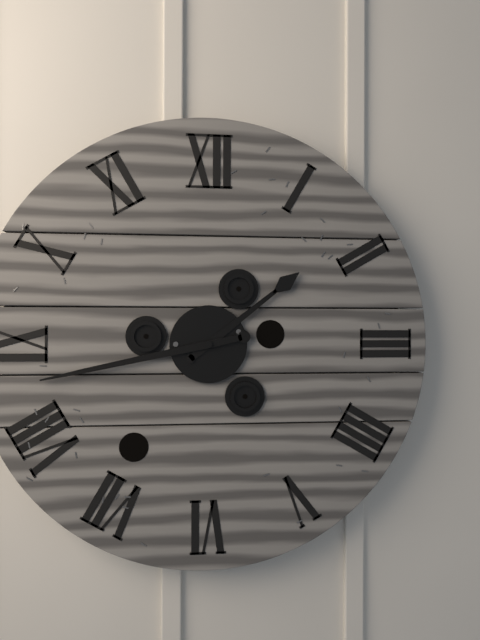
1:43
